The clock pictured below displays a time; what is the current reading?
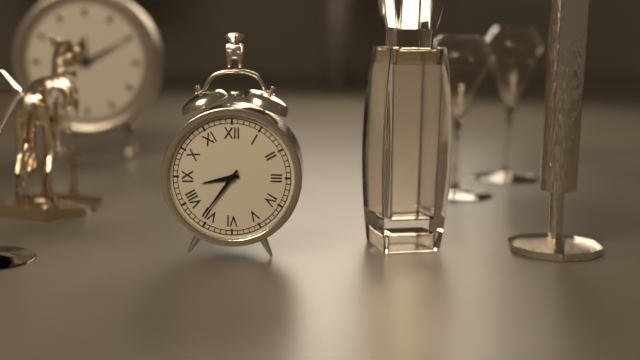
8:36
